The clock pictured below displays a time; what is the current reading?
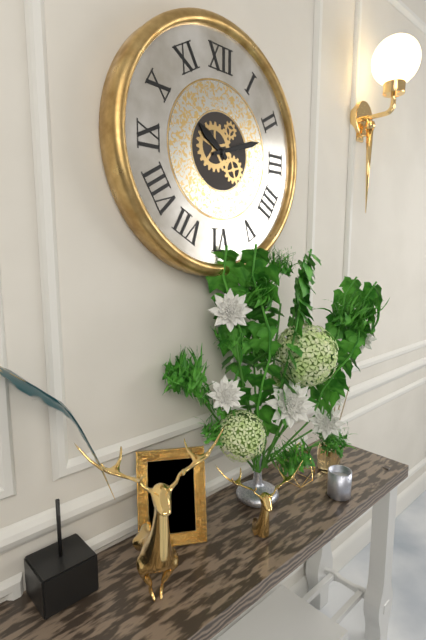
10:12
